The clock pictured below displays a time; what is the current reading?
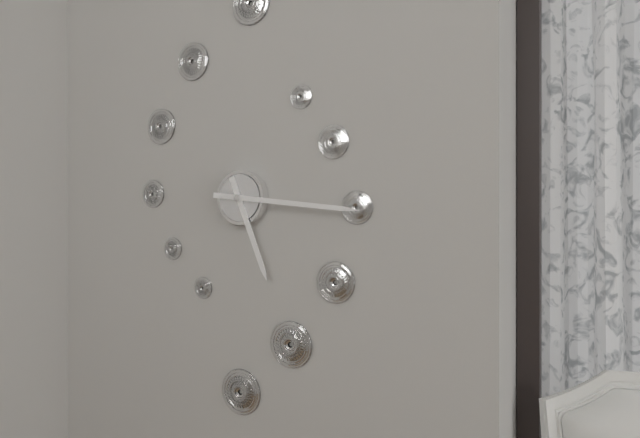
5:16
